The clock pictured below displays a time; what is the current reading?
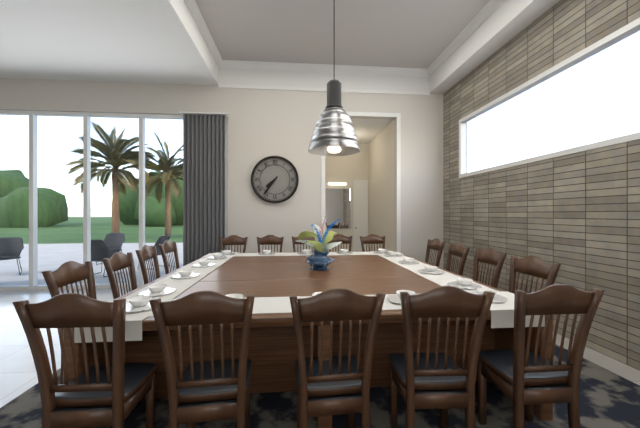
7:36
